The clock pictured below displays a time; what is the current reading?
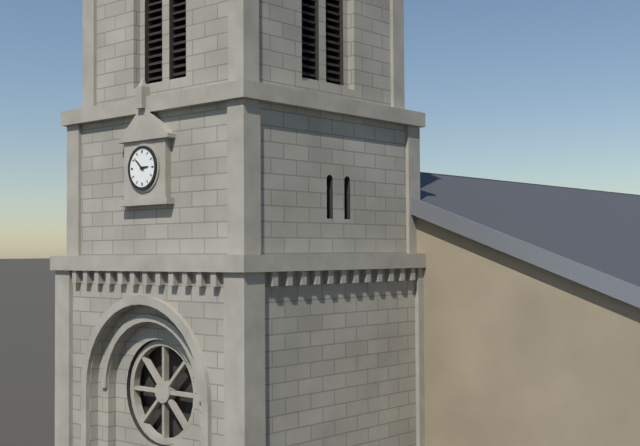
2:52
